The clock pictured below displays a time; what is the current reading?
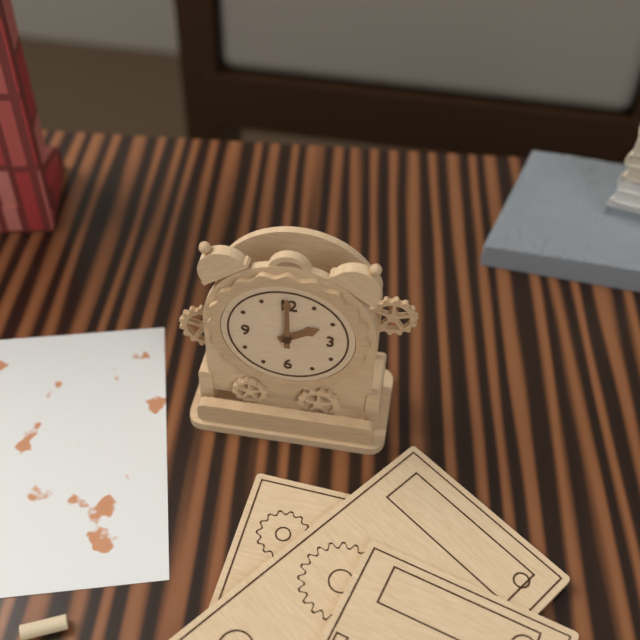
2:00
